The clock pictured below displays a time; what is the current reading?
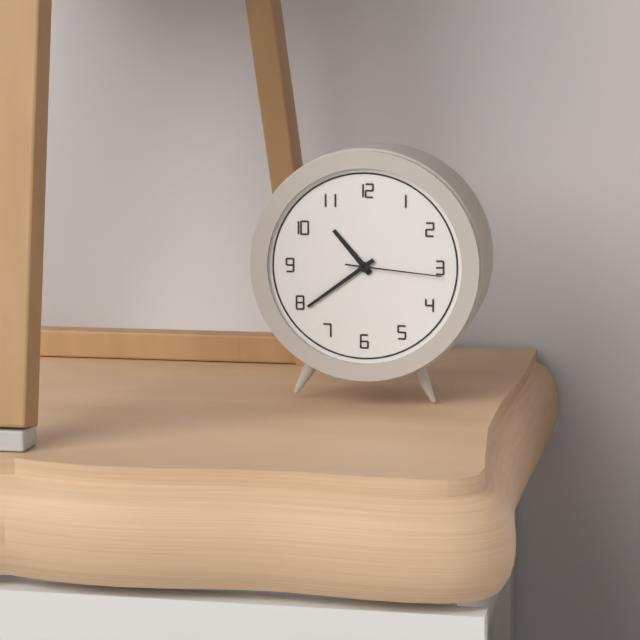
10:39:16
